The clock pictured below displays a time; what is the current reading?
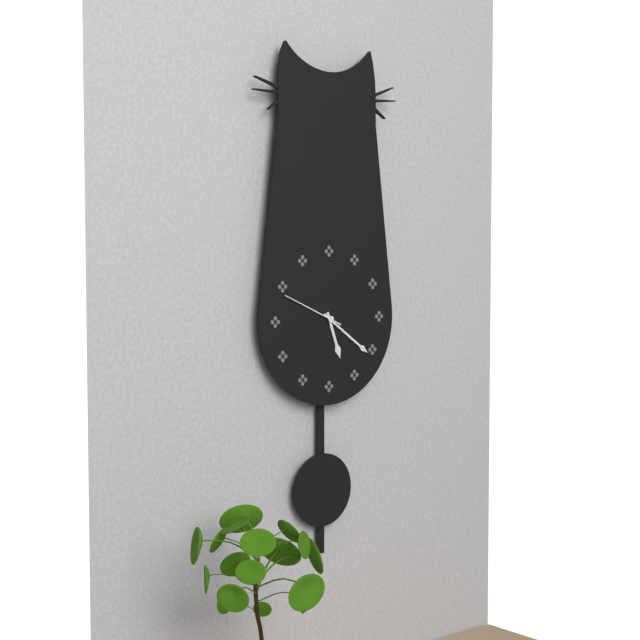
5:21:49
